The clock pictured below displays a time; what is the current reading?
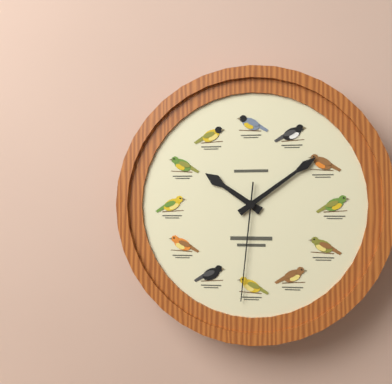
10:09:31
